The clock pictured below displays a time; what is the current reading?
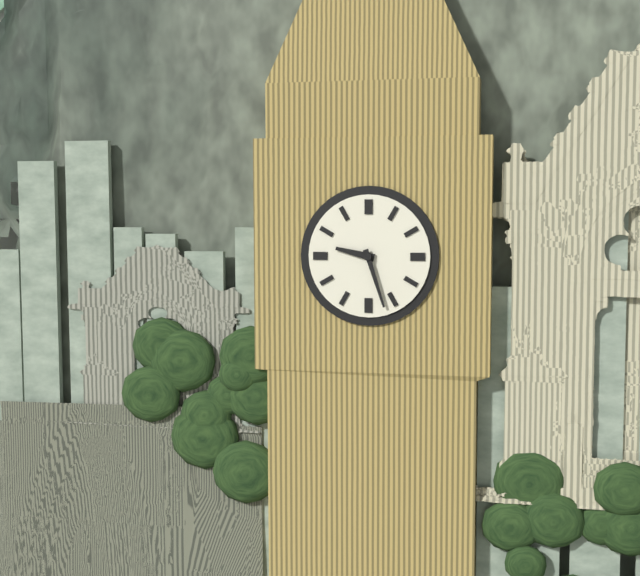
9:27
